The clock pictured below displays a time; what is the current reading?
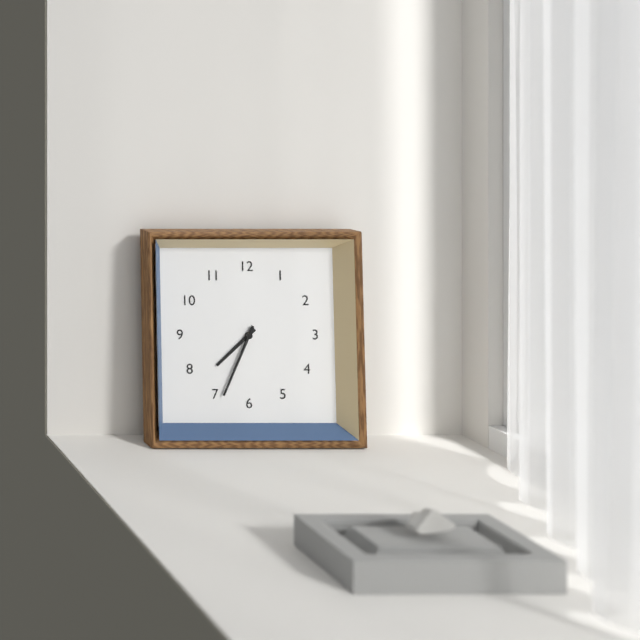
7:34
